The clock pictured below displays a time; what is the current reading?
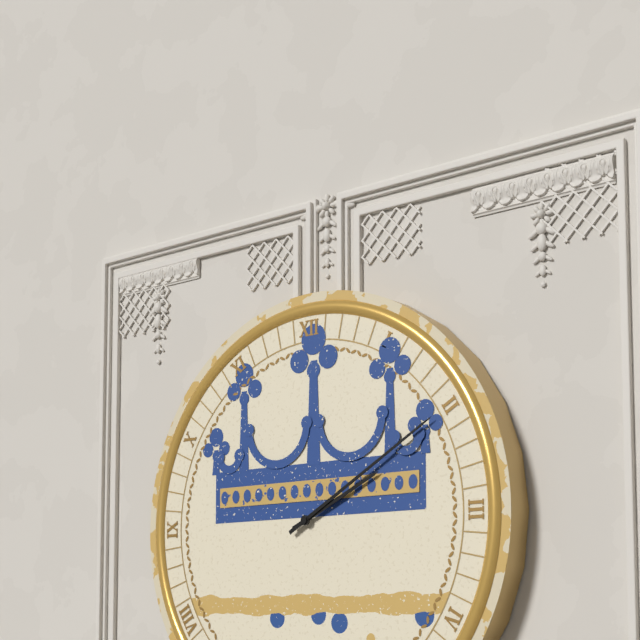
2:10
